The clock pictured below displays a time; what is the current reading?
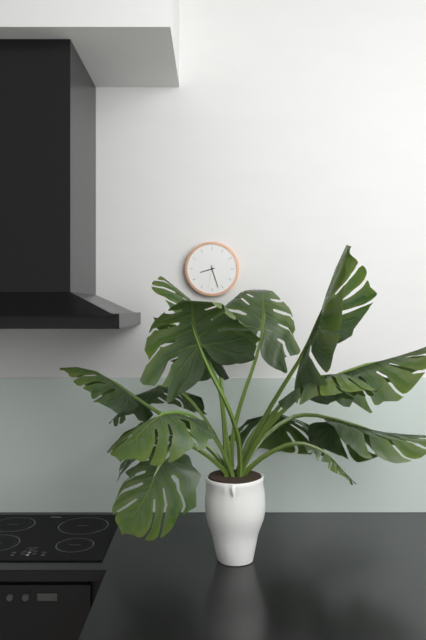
8:27
